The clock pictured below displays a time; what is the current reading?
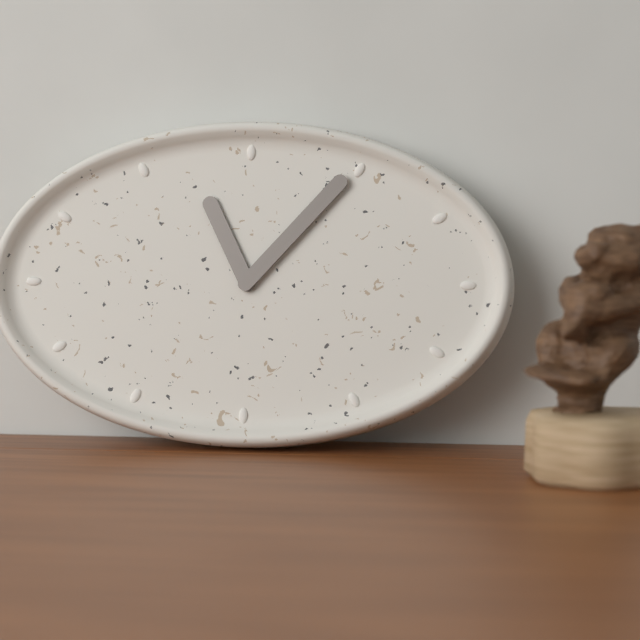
11:07
